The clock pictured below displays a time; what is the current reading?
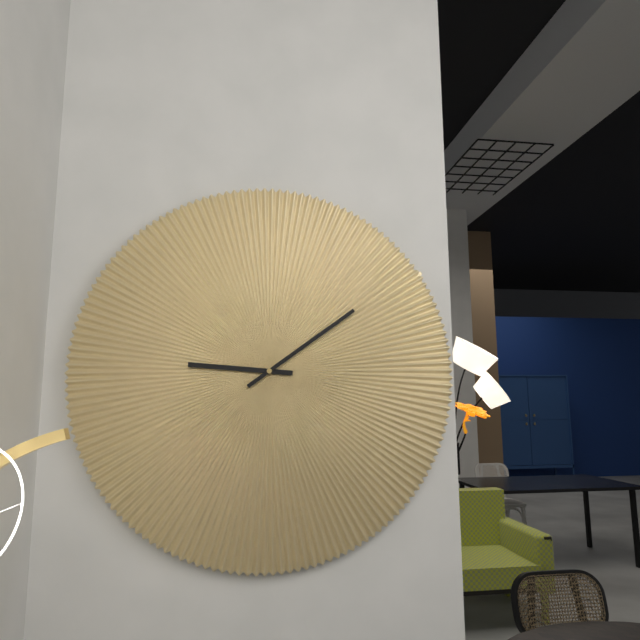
9:09
